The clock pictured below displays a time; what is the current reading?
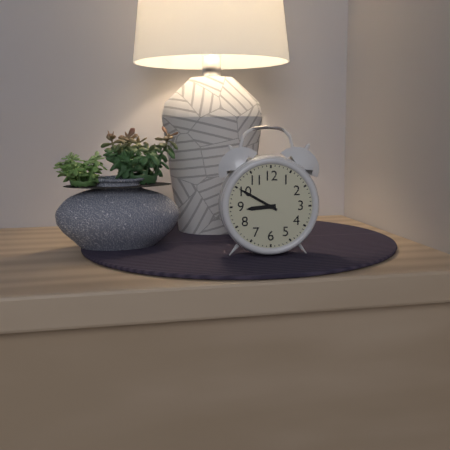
8:50
